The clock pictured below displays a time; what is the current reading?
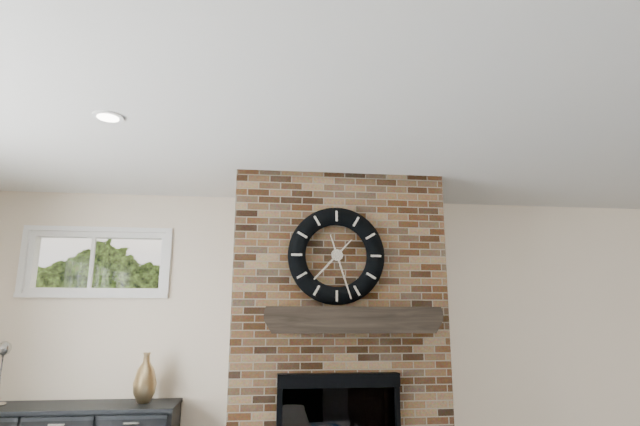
7:27
